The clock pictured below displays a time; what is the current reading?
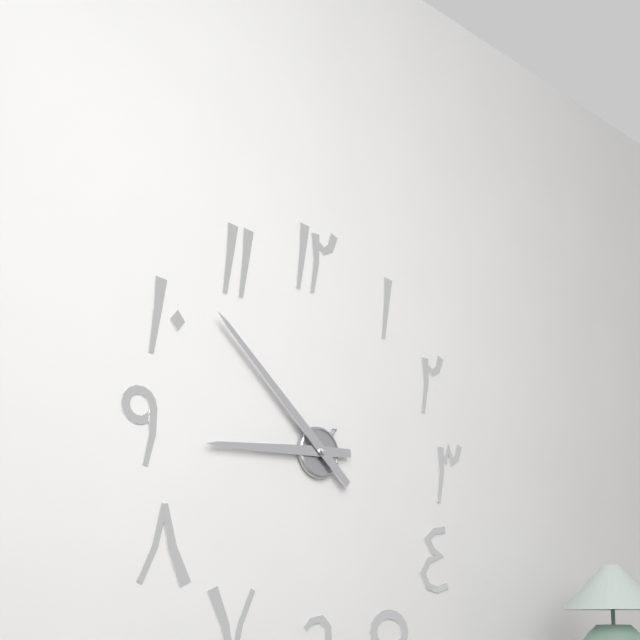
8:52
